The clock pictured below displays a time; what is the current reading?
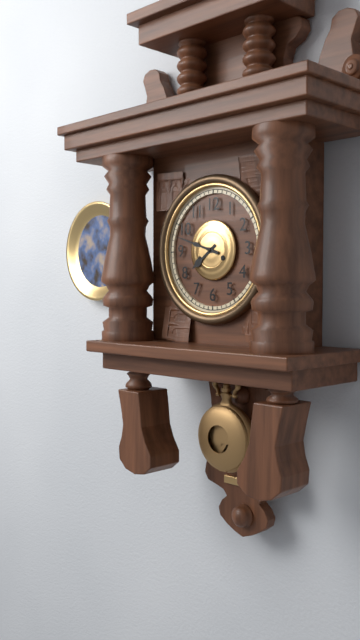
7:48
